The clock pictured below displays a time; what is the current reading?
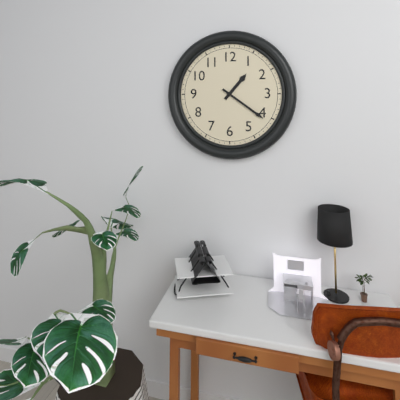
1:21
